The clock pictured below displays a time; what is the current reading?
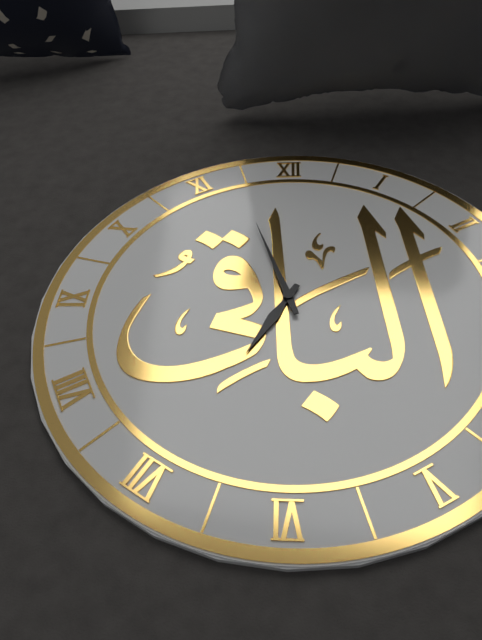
6:57
